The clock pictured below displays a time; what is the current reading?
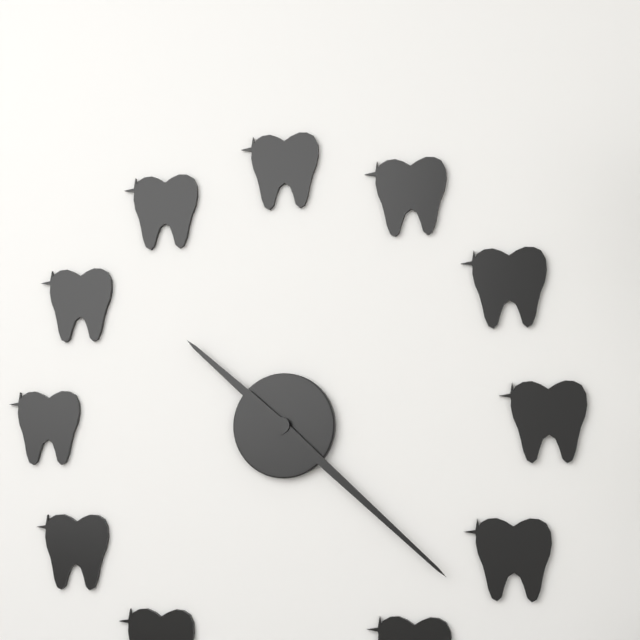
10:22
